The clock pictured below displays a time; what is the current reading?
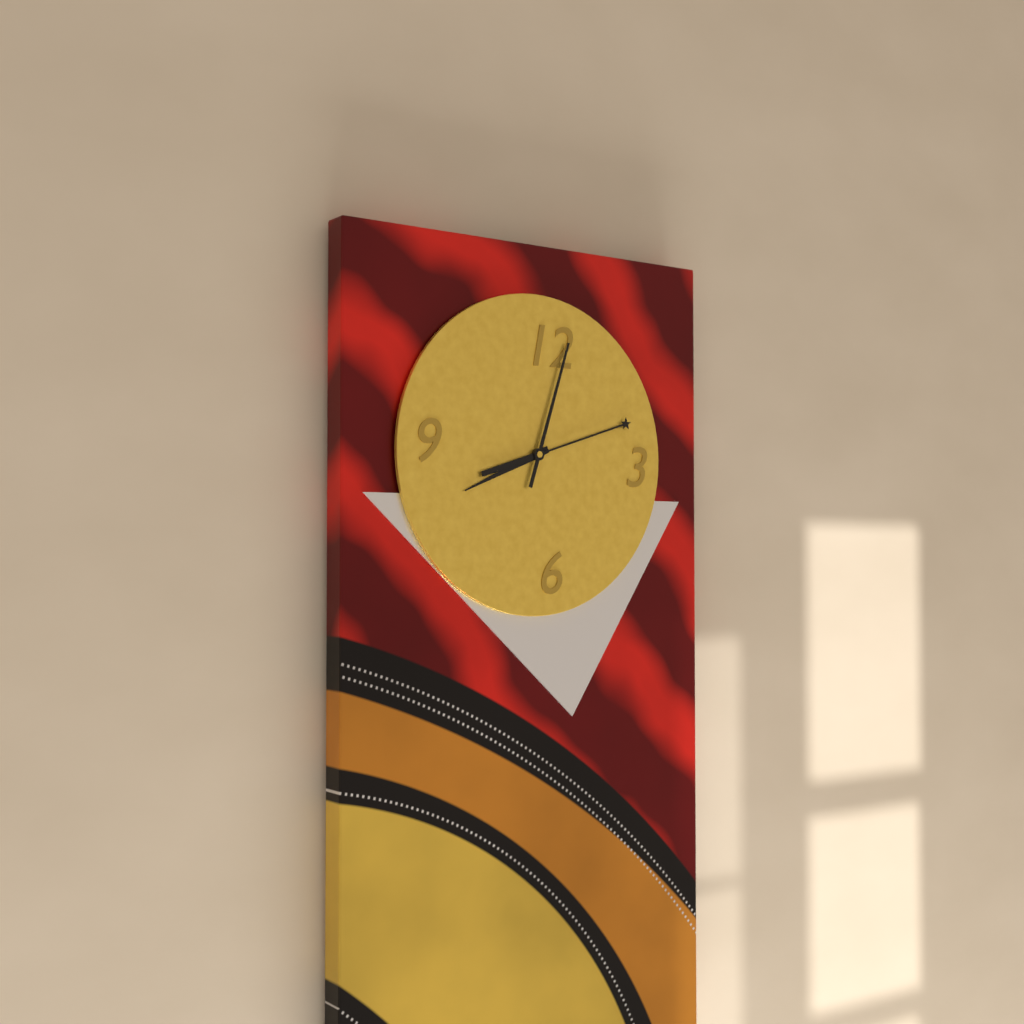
8:12:03
